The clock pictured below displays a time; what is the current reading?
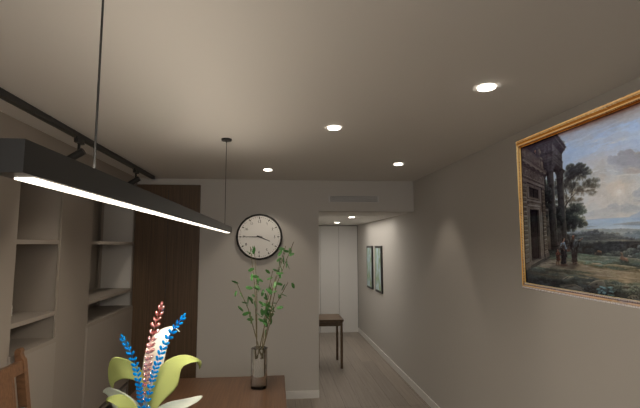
3:45
